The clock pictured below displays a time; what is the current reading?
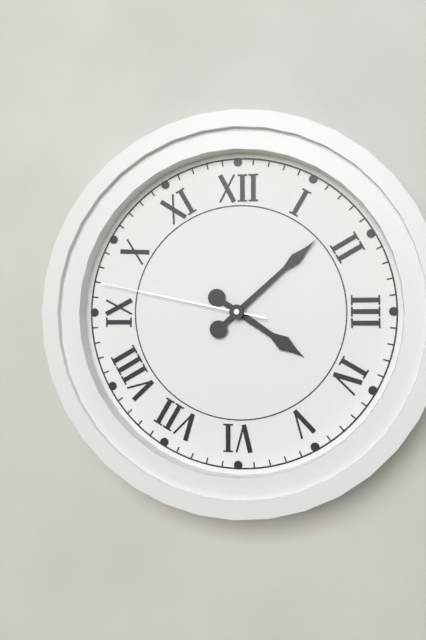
4:08:47
